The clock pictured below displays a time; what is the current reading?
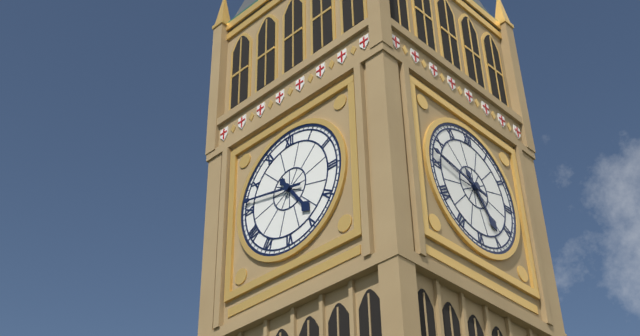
4:47
